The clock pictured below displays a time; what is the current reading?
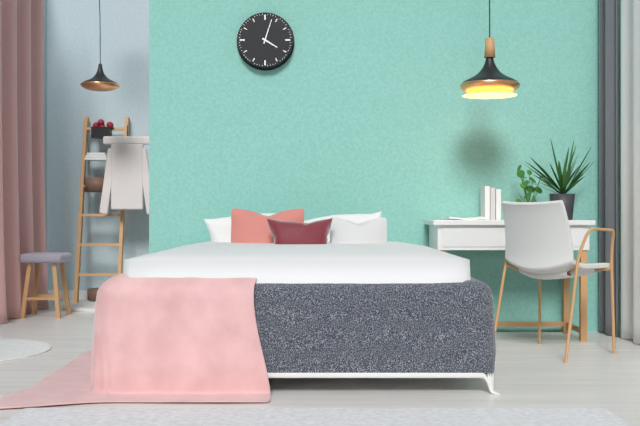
4:03
